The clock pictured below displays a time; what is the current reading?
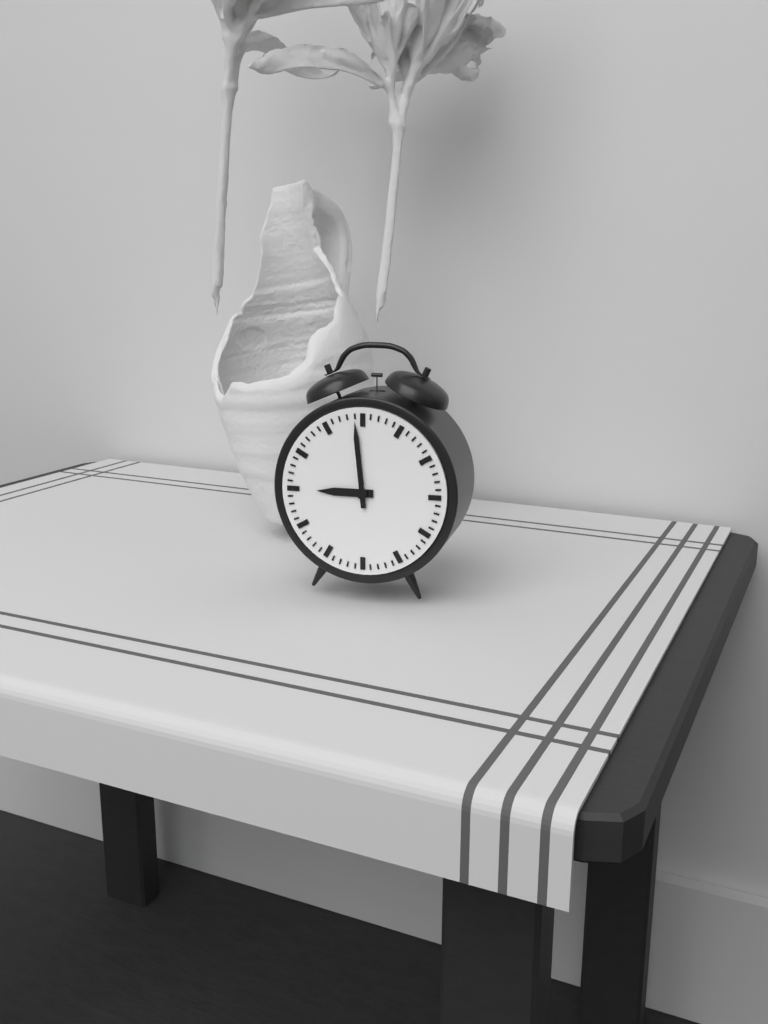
8:59
